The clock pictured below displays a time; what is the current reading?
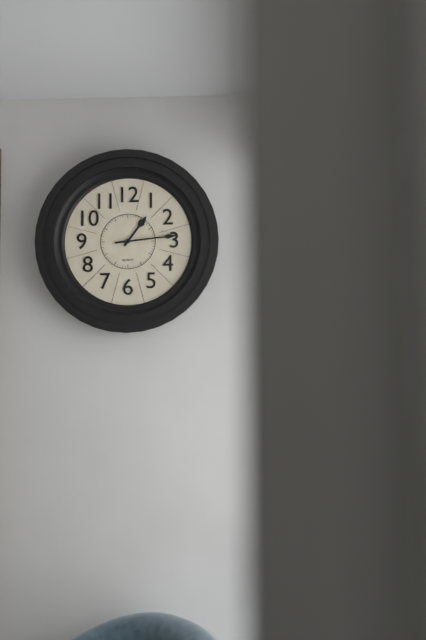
1:14
